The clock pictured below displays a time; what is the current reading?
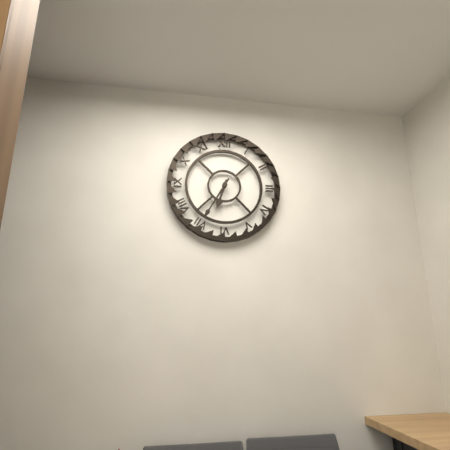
6:35
